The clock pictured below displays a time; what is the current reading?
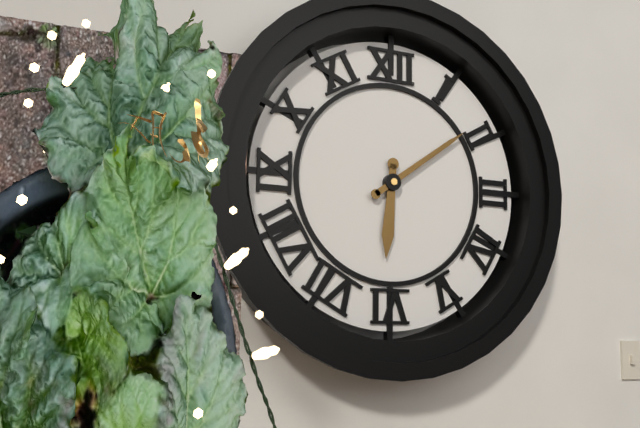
6:09
